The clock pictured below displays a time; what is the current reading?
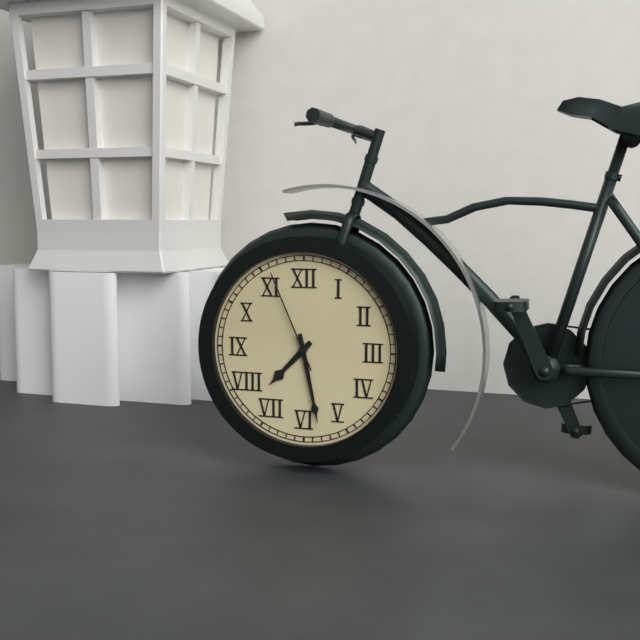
7:28:56
